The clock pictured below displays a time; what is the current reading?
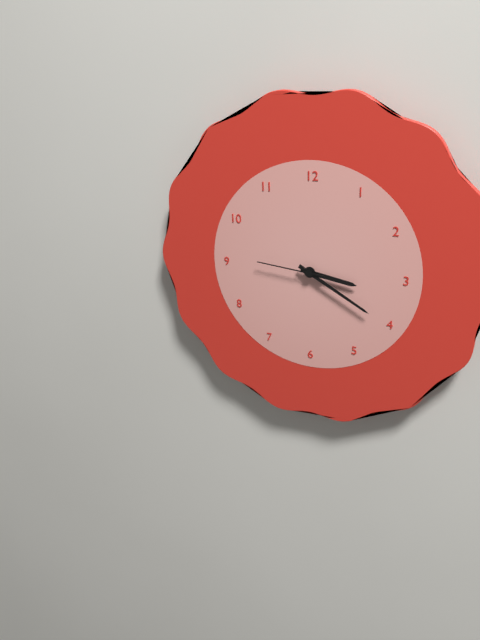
3:20:46
